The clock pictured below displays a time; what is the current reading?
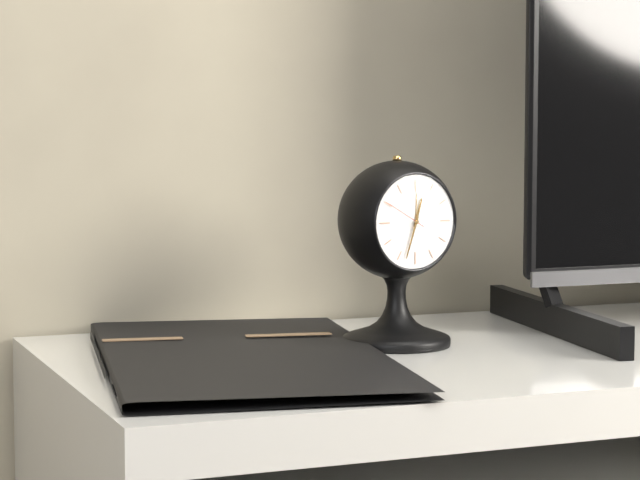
12:33
